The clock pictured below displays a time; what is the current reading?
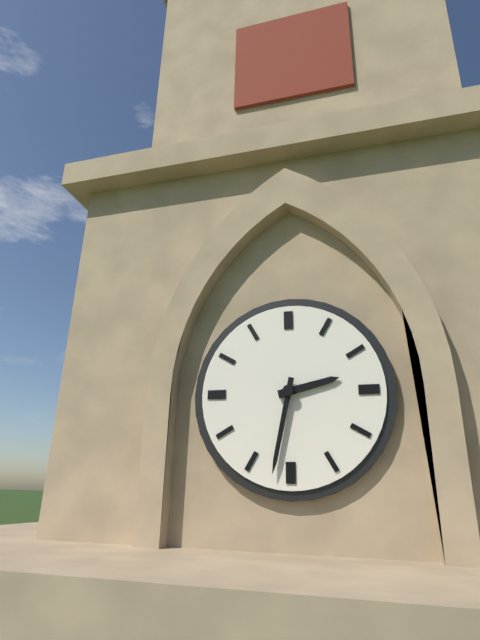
2:32
